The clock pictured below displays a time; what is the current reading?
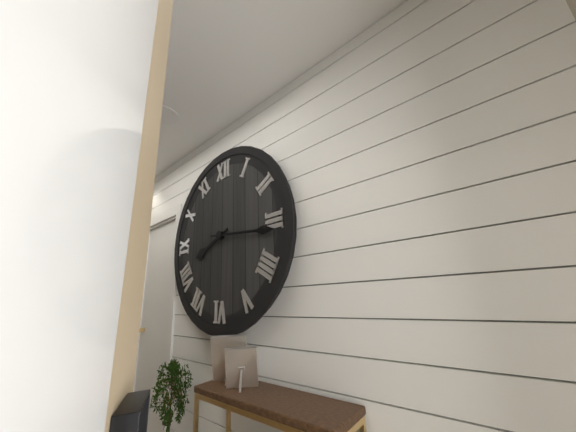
8:16
